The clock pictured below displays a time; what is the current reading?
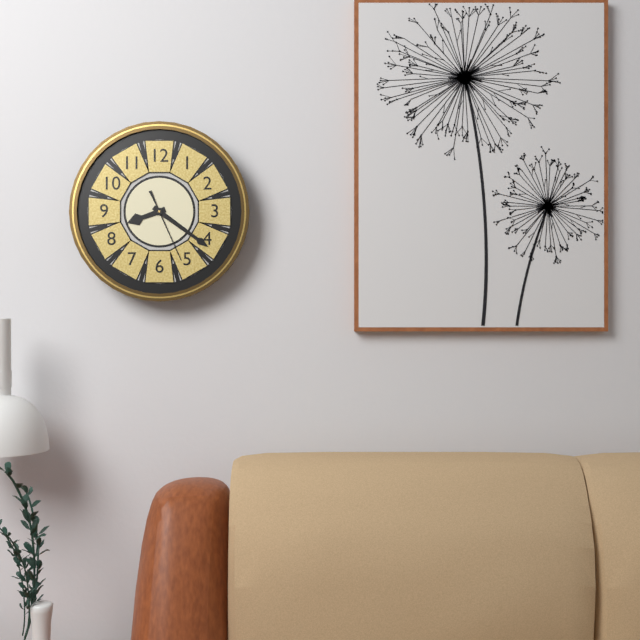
8:21:26
